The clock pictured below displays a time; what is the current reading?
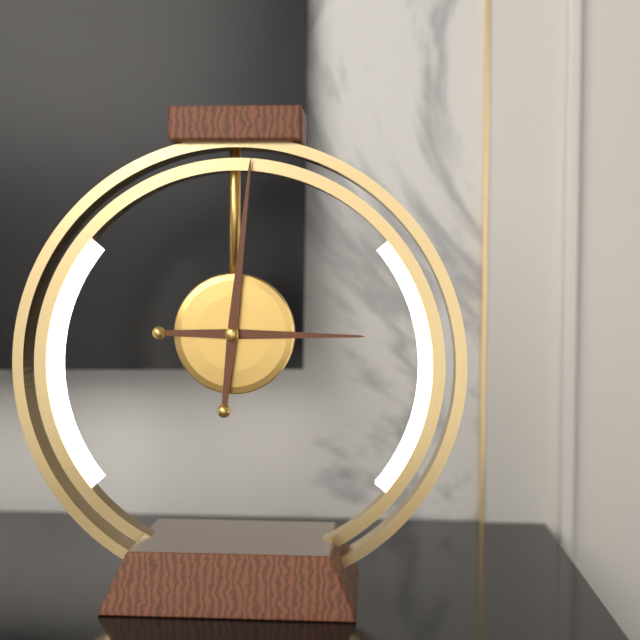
3:01
